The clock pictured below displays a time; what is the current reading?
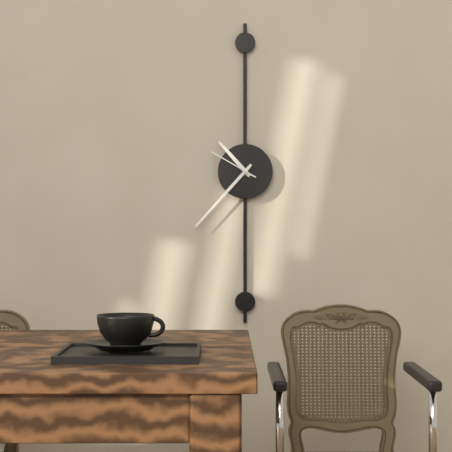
10:37
